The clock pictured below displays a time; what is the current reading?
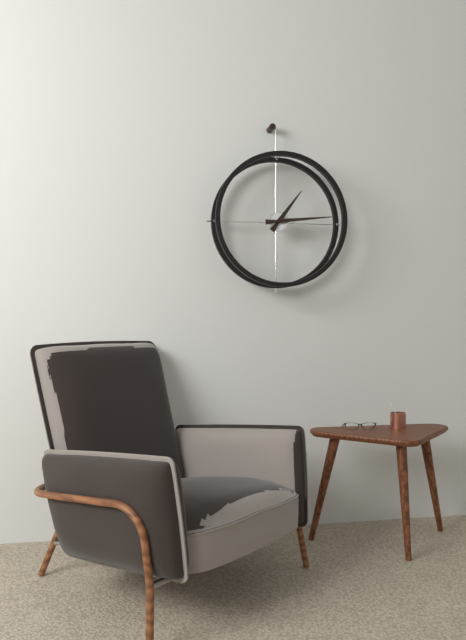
1:14
